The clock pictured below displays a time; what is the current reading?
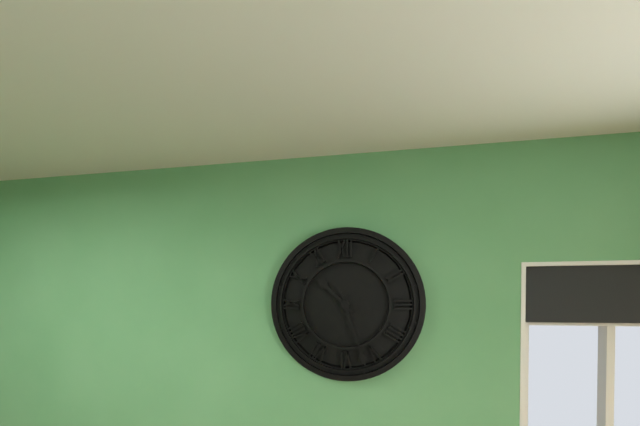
10:27
